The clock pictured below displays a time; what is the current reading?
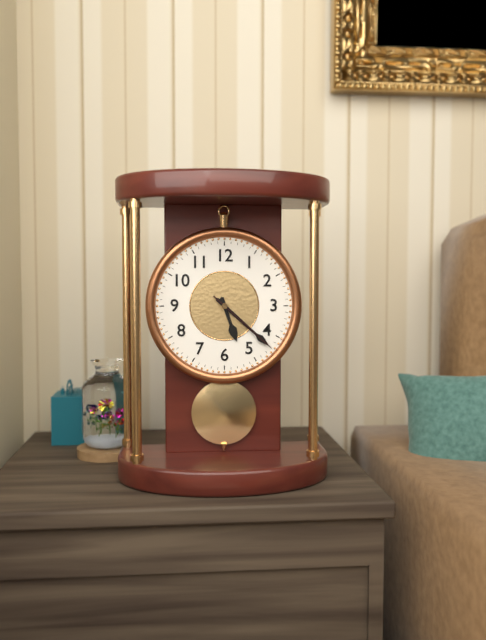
5:22:22
